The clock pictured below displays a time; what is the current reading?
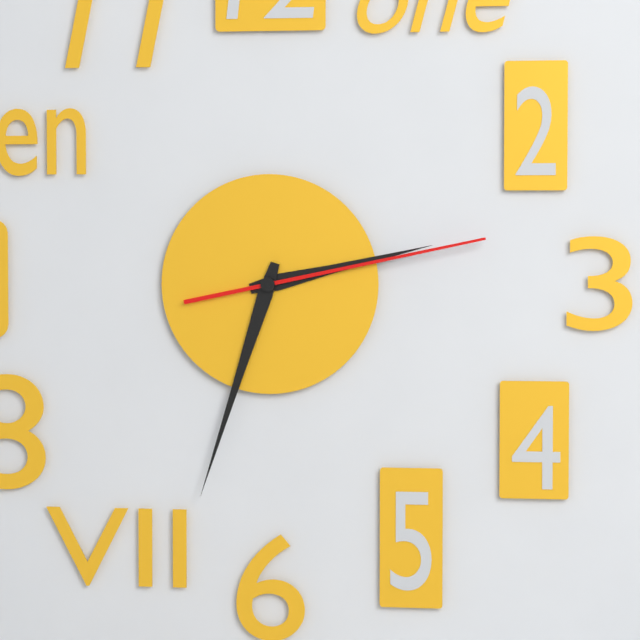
2:33:13
